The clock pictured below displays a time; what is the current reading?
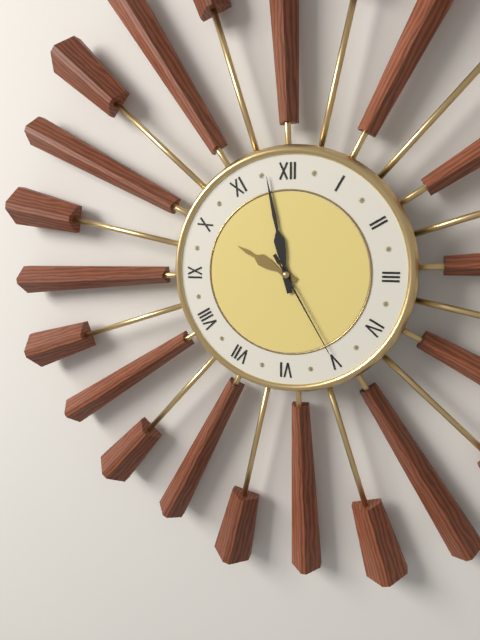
9:58:25
